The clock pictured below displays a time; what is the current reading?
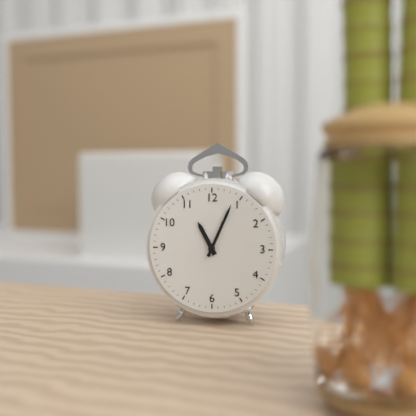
11:04
